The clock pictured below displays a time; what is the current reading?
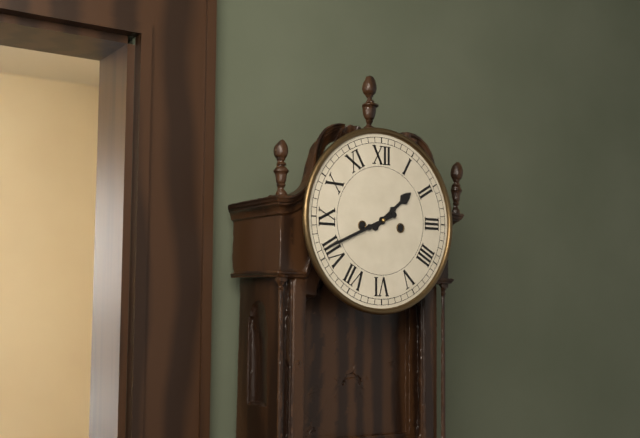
1:41
